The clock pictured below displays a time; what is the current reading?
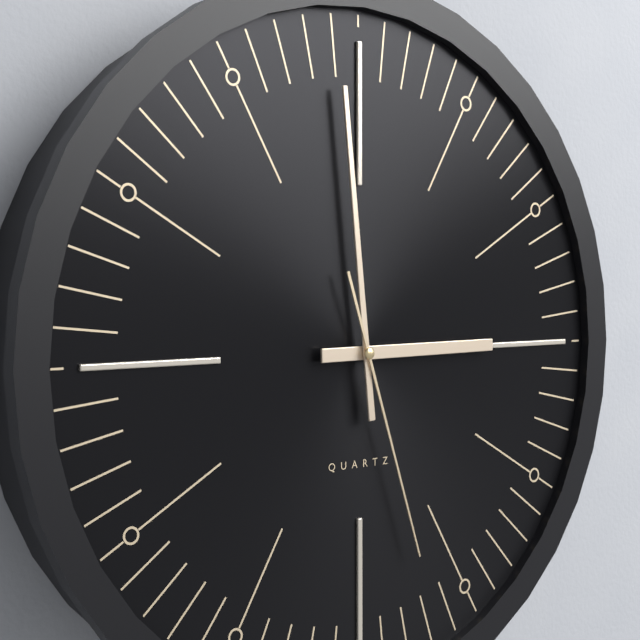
2:59:27
